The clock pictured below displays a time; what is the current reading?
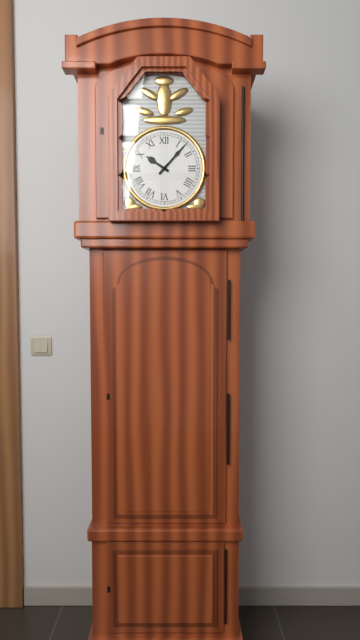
10:07
